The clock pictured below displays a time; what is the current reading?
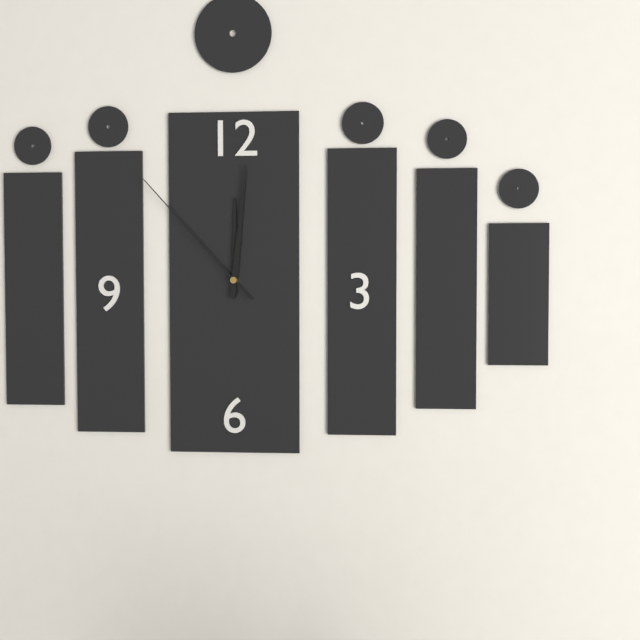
12:01:53
